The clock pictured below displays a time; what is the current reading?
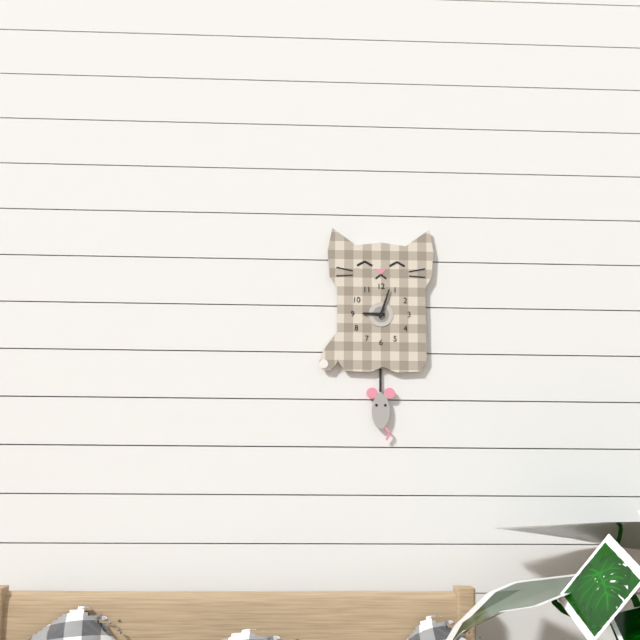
9:03
